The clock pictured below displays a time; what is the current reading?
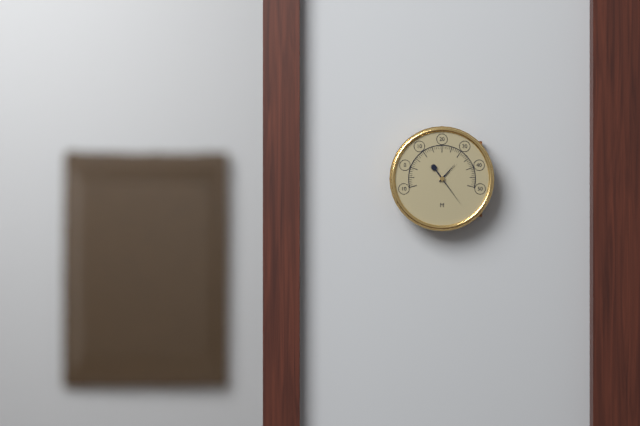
1:24
